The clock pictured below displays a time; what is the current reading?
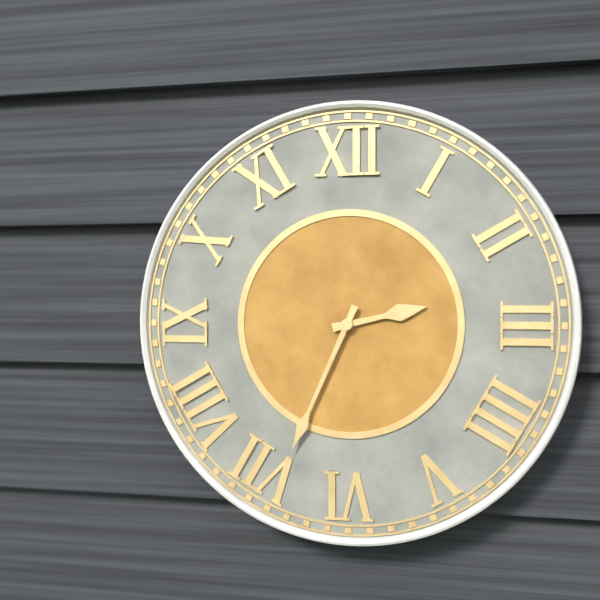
2:34
